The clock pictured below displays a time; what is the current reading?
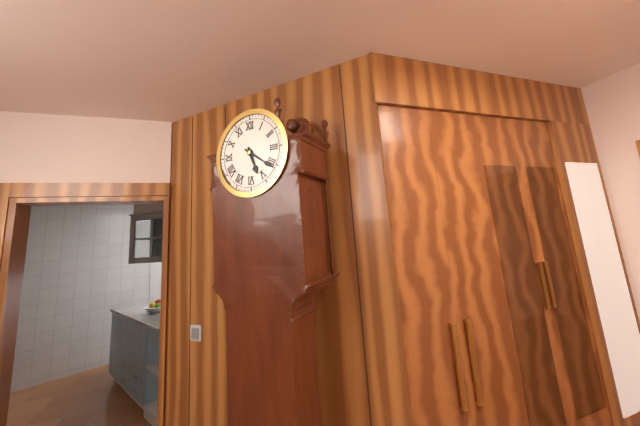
5:21
